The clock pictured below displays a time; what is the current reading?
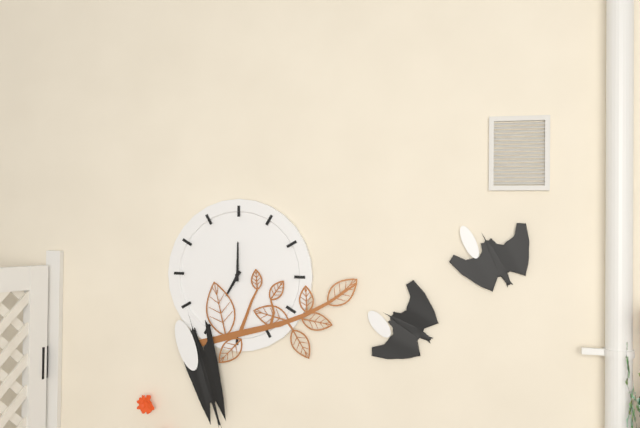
7:00
